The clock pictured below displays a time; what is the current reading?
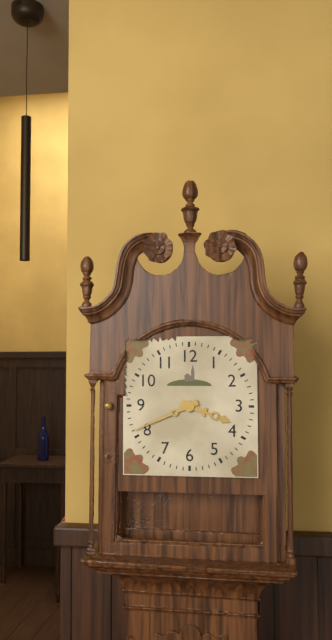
3:41
